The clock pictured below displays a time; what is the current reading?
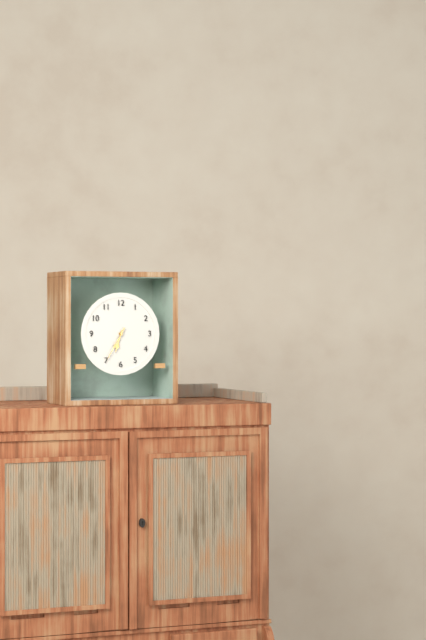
6:35
